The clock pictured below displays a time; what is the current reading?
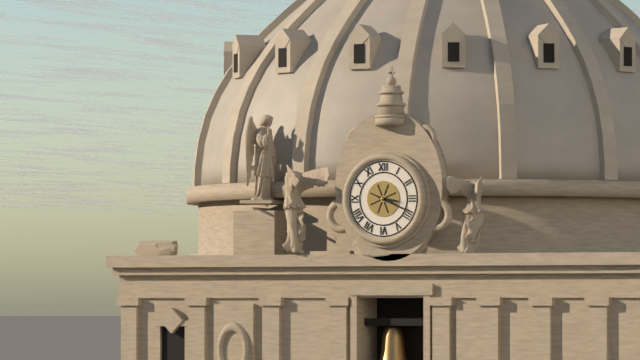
3:19
